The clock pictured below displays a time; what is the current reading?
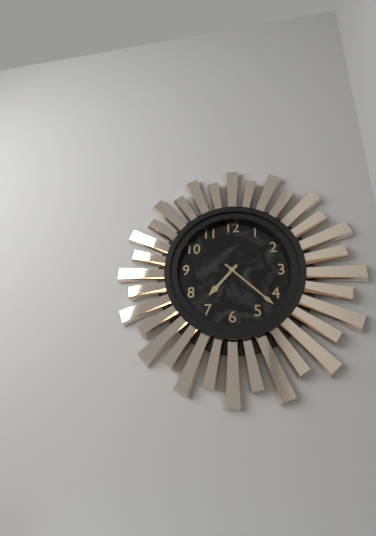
7:22
